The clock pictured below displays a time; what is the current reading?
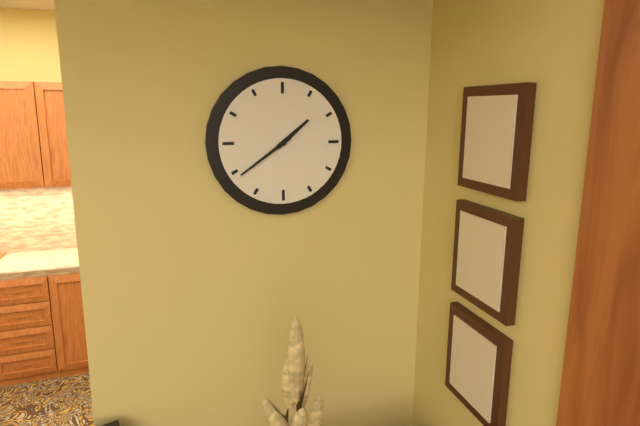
1:39
